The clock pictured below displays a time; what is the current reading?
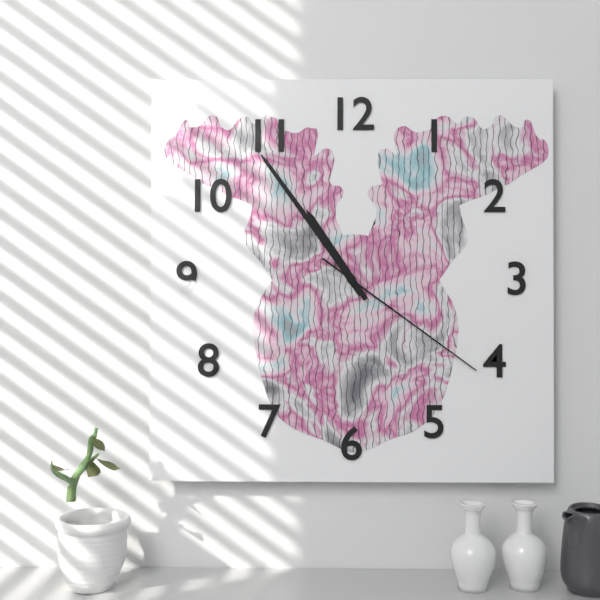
10:54:21
